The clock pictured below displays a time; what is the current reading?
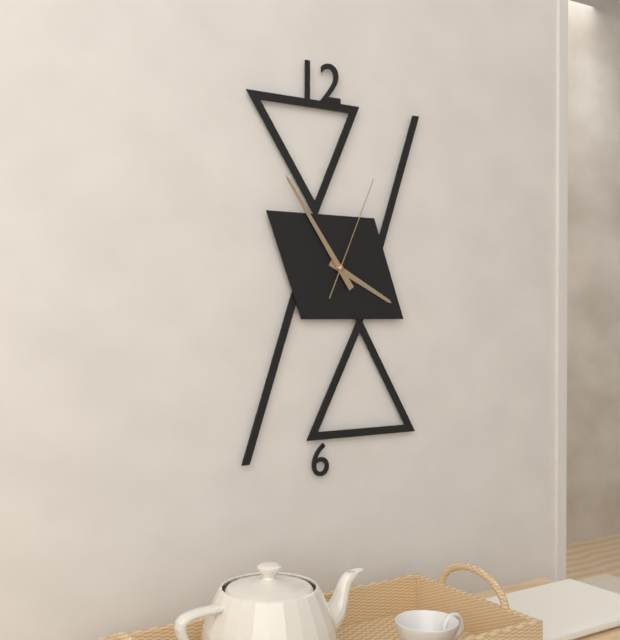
3:54:04
